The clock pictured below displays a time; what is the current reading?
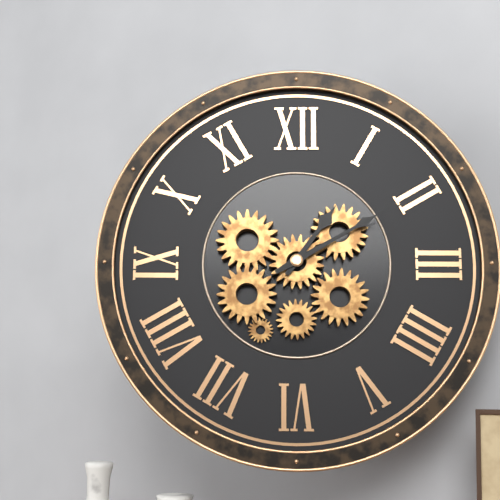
1:10
